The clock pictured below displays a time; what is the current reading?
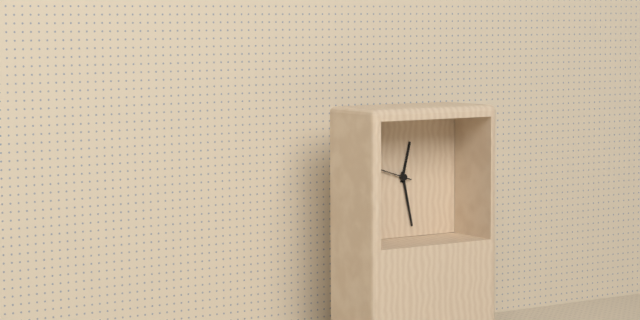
12:28
